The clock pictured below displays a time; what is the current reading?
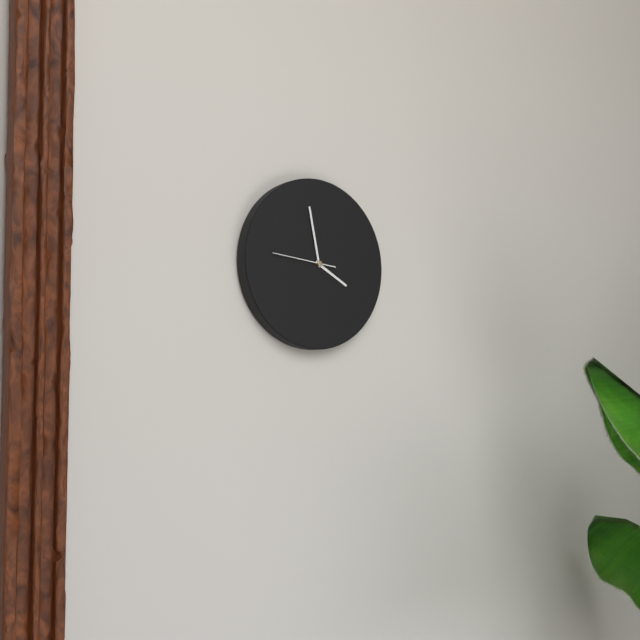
3:58:46
